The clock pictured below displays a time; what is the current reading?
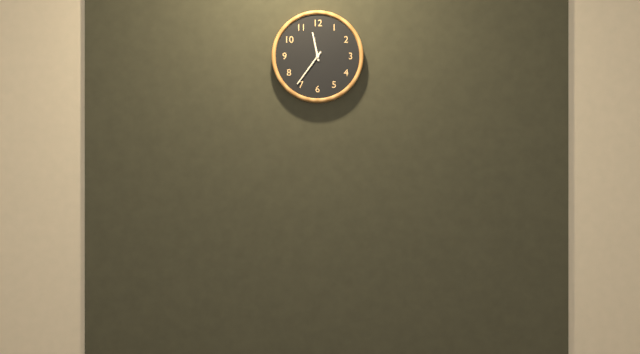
11:36
